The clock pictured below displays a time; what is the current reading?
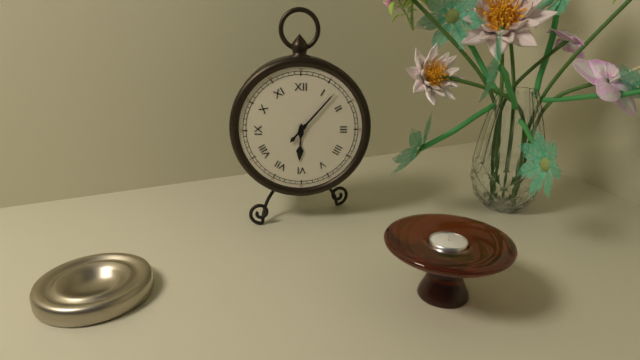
6:07
